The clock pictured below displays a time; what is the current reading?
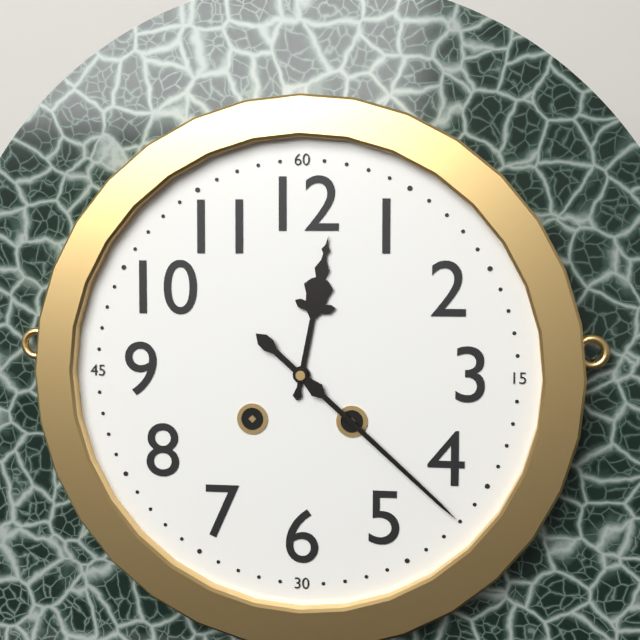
12:22
